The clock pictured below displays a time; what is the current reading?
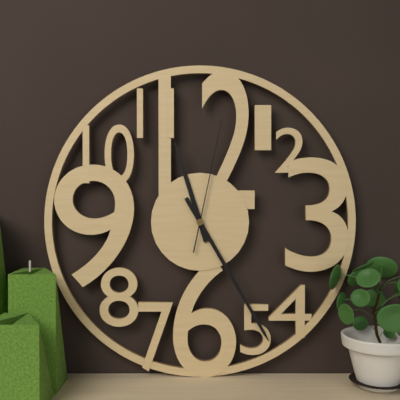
11:25:02
